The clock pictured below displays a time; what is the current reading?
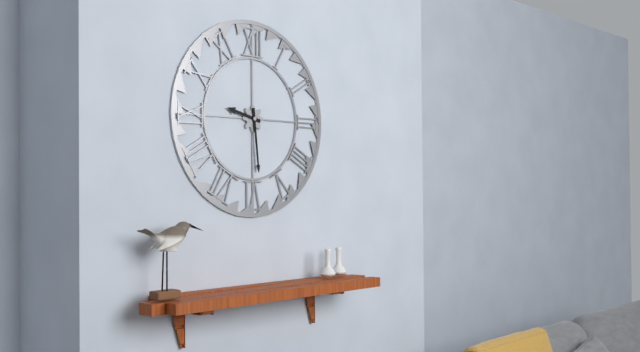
9:29
